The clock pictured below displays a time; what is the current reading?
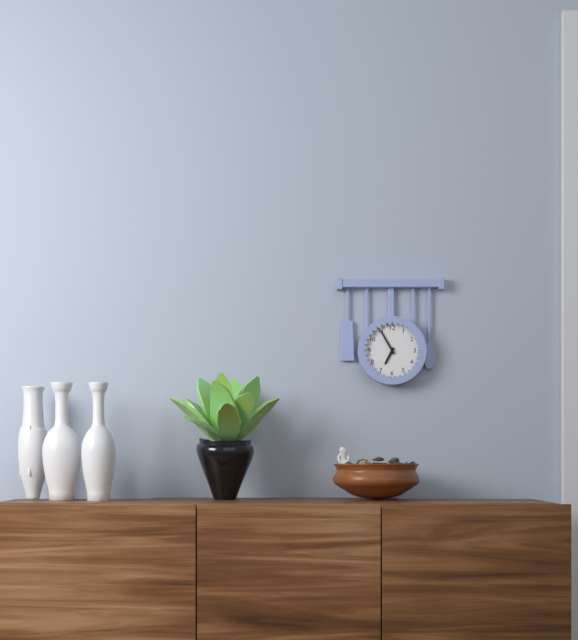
6:55
